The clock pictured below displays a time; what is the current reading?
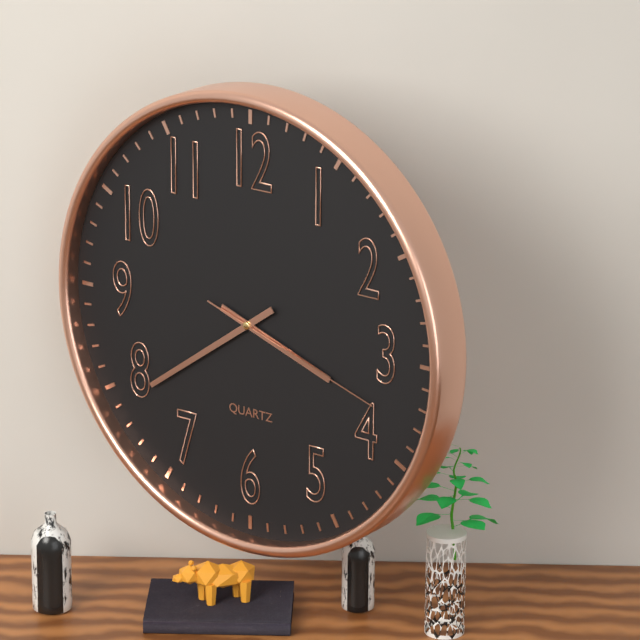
3:39:18
